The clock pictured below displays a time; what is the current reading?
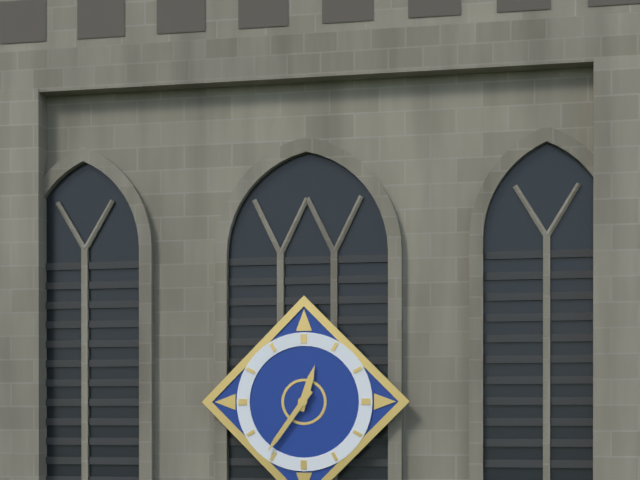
12:36
